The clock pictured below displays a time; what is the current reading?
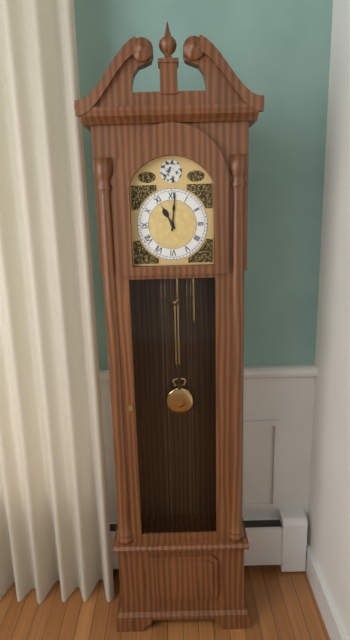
11:01
